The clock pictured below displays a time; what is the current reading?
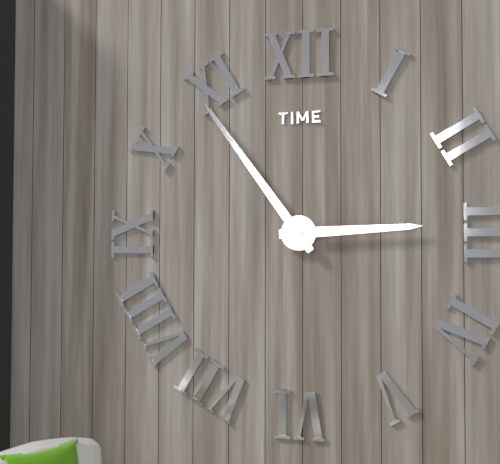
2:54
